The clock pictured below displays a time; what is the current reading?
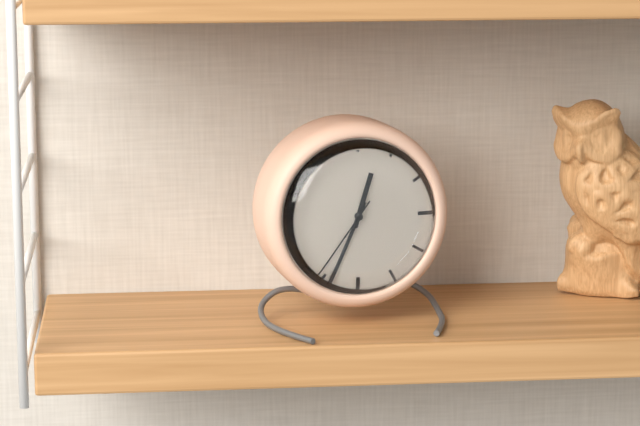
12:34:36
